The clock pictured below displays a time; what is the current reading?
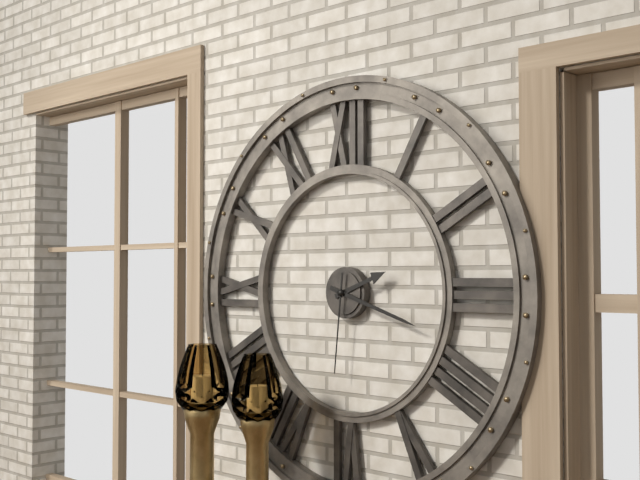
2:18:31
